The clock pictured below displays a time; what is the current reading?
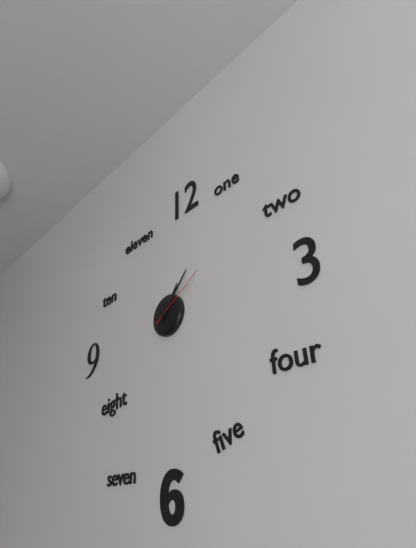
1:07:10
